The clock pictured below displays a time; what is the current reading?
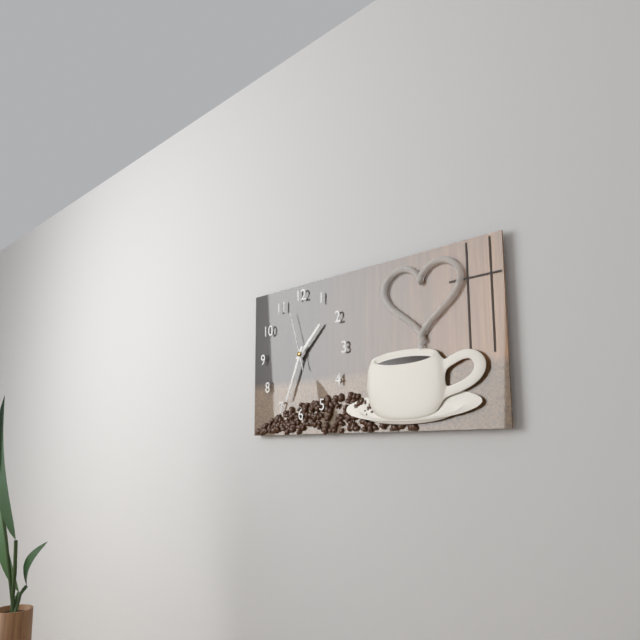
1:34:57
